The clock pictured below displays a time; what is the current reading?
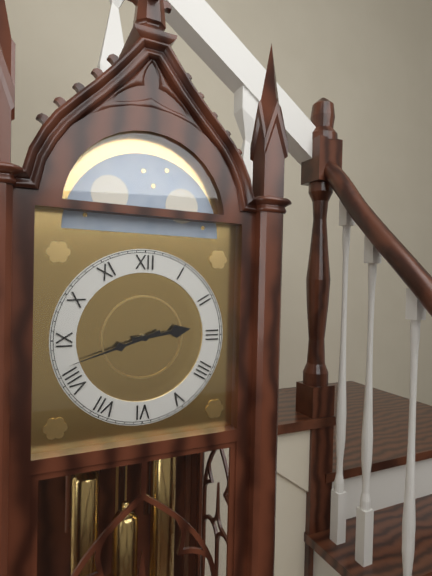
2:42
